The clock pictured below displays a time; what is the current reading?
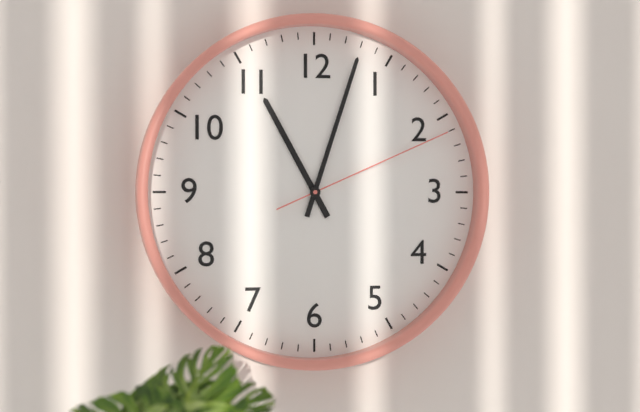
11:03:11
